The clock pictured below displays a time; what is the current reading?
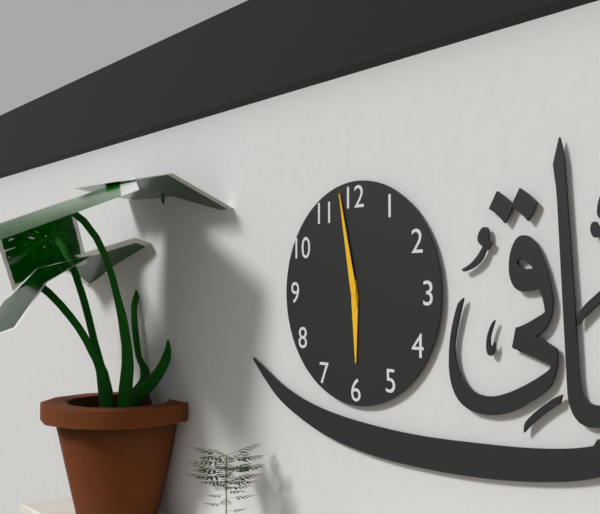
5:58
